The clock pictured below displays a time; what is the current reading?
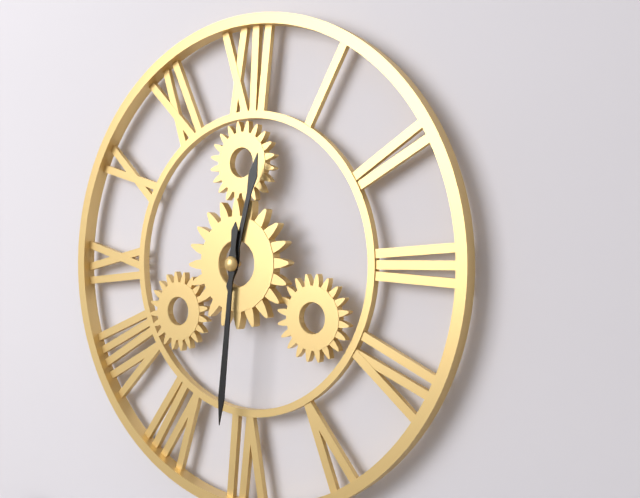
12:31
